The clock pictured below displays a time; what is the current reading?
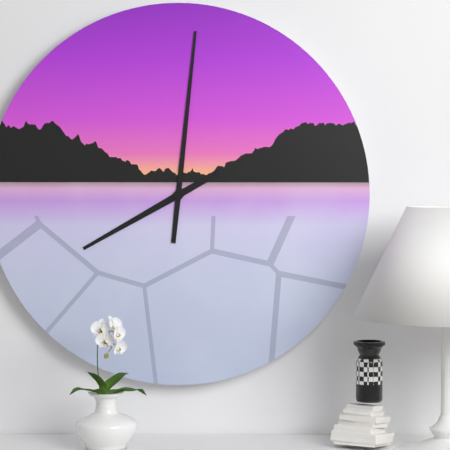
8:01
